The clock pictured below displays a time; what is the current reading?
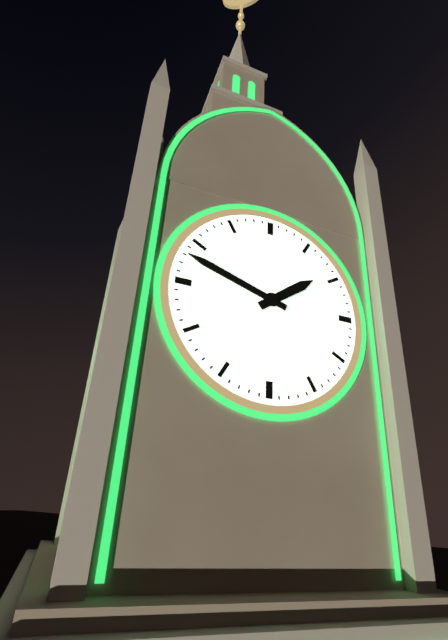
1:48
